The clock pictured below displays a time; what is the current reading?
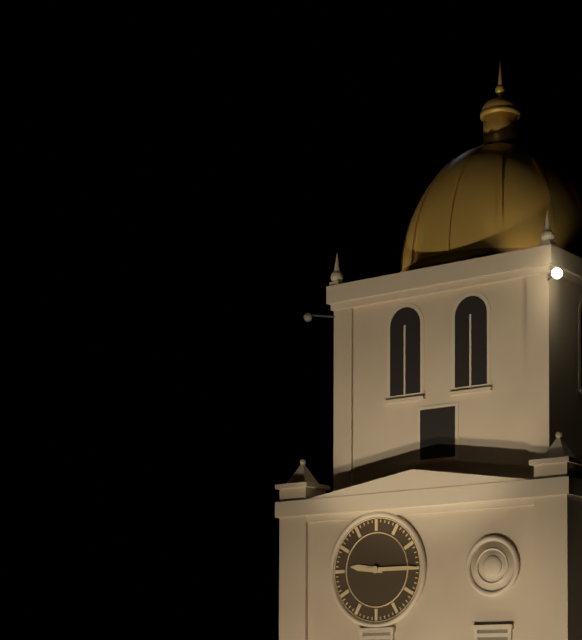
9:15
